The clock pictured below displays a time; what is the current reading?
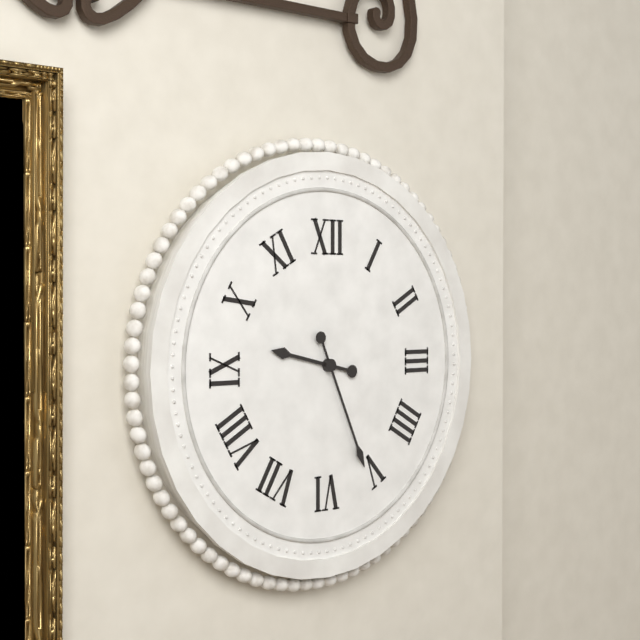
9:26
